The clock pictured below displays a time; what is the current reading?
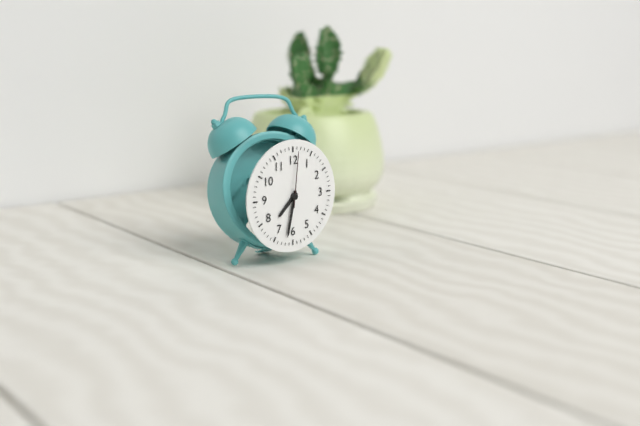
7:32:01
